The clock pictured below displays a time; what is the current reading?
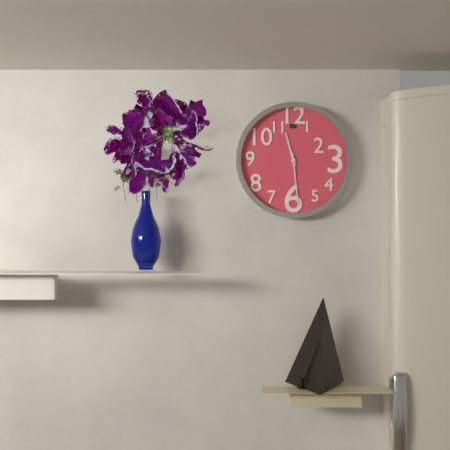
11:29
